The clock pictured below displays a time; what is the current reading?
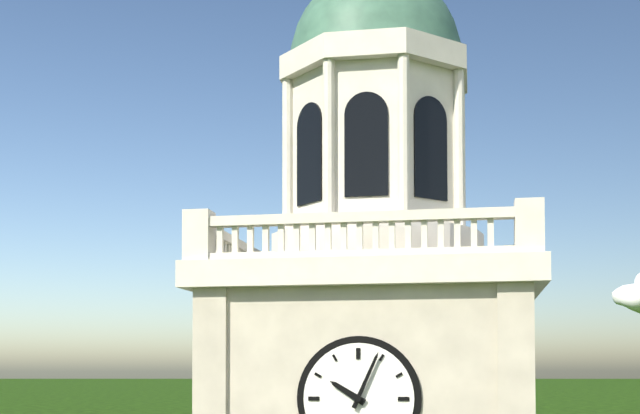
10:04
